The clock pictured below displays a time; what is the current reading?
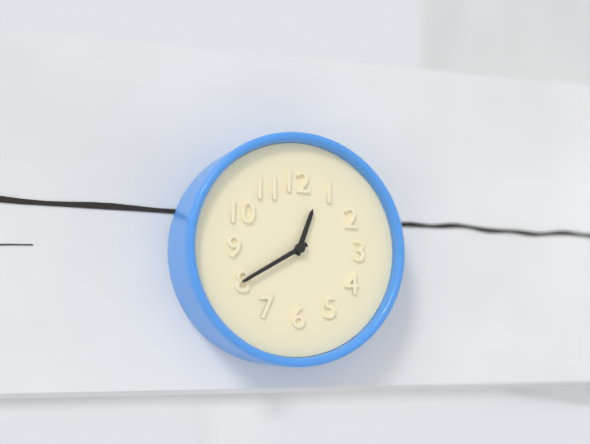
12:40
